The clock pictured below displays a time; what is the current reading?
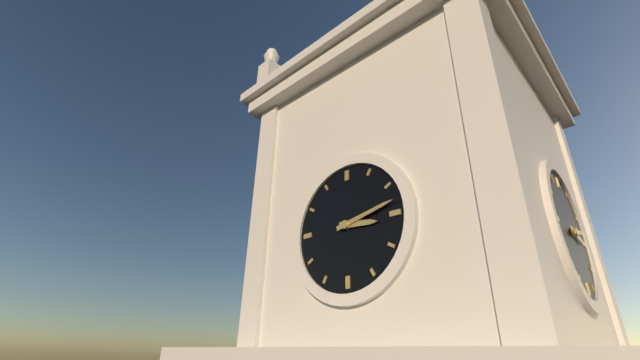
3:13
